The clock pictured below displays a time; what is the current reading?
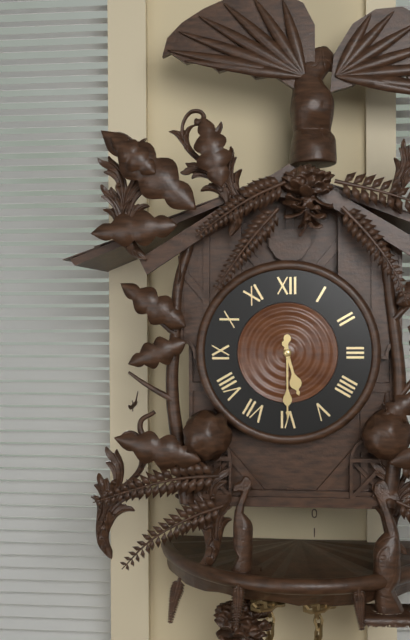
5:30
